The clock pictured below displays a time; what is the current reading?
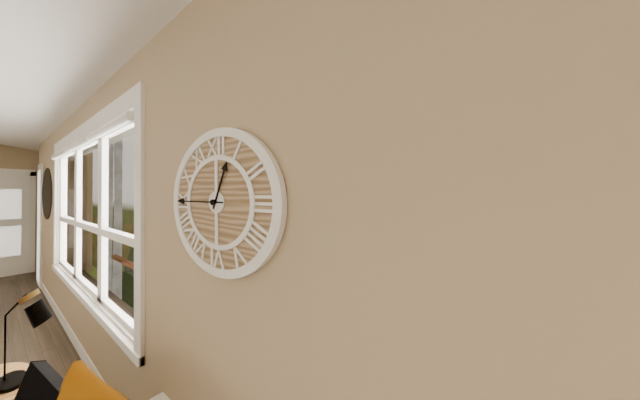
12:45
